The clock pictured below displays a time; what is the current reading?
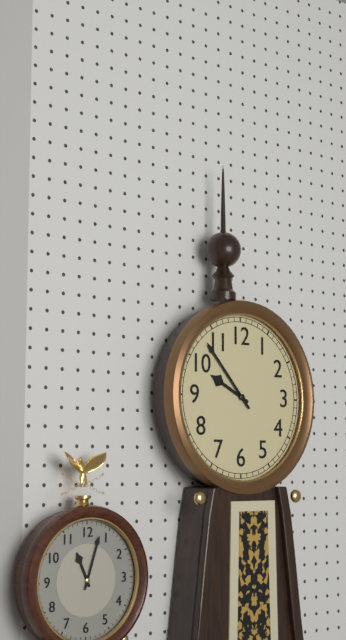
9:53
